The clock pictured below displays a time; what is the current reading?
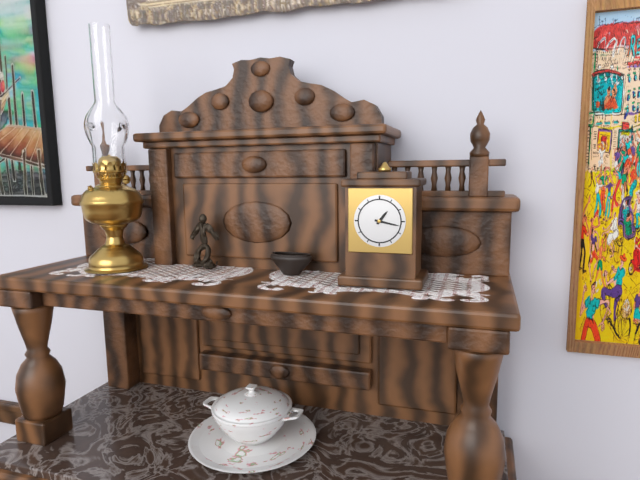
1:17
